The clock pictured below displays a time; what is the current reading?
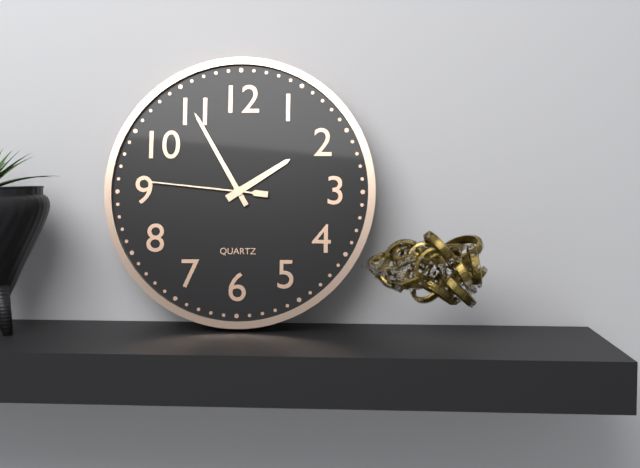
1:55:46
